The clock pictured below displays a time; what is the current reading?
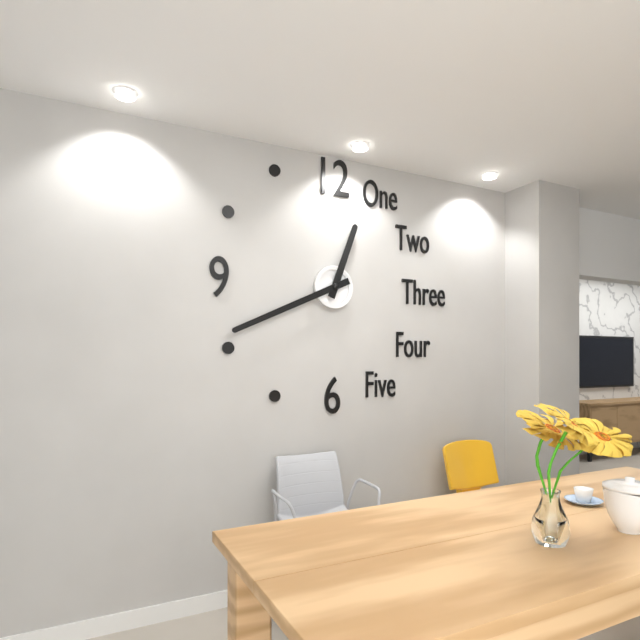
12:41
